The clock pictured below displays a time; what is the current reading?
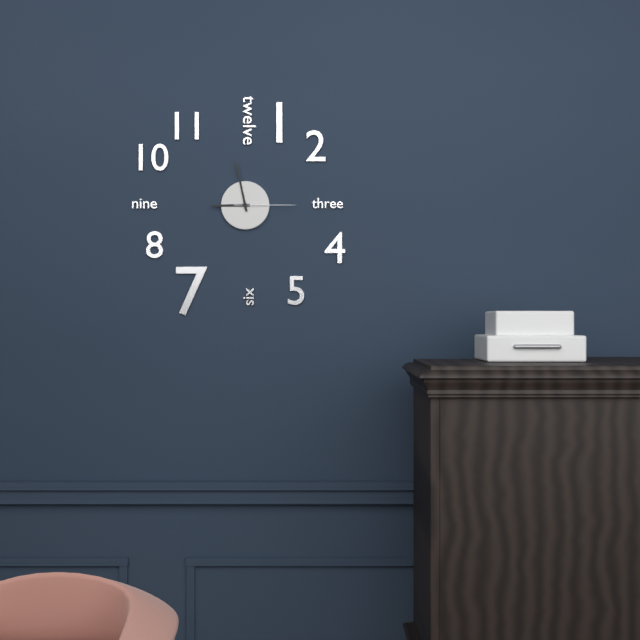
8:58:15
